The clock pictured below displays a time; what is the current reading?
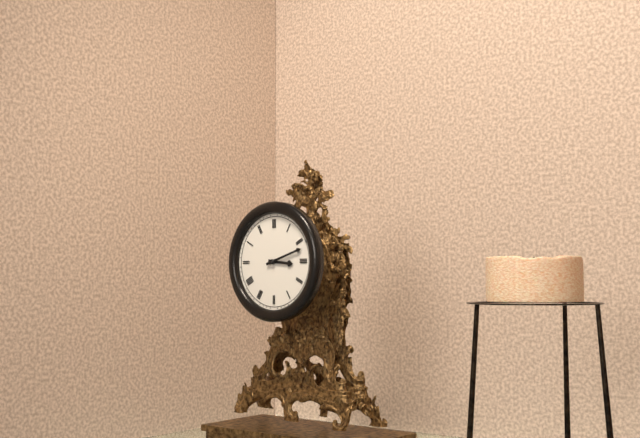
3:12
